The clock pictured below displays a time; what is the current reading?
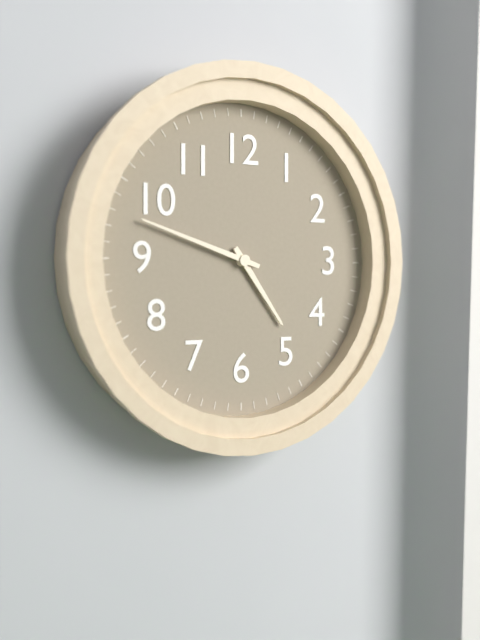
4:48
